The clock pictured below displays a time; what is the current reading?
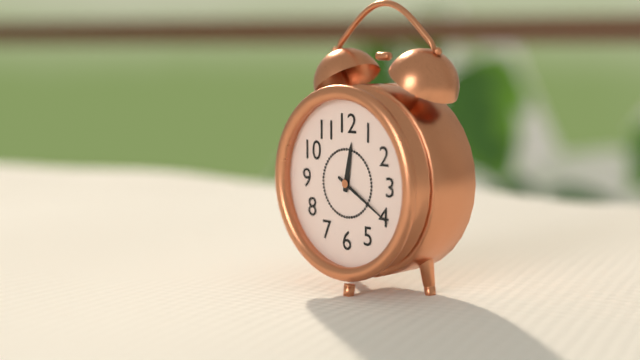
12:20
